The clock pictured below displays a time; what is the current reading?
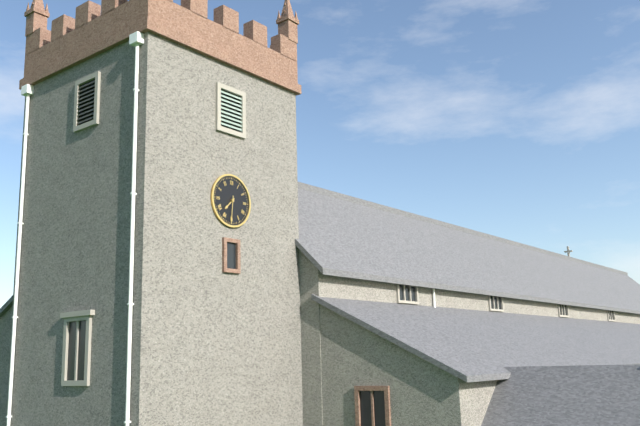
7:31
